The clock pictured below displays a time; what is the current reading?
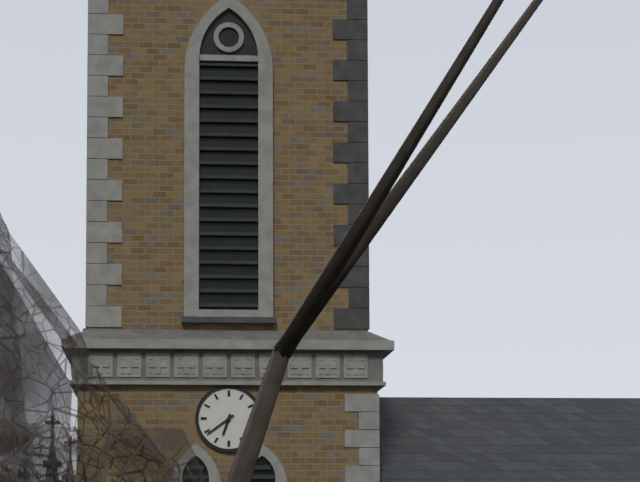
6:39
